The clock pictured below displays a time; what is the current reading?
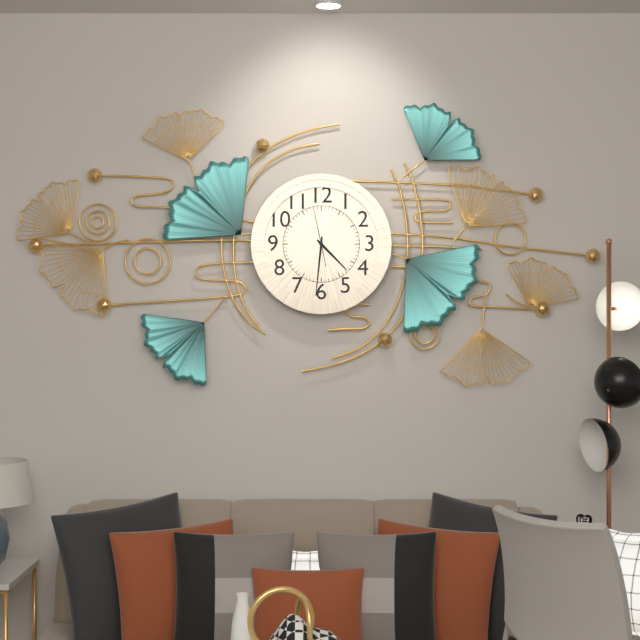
4:31
